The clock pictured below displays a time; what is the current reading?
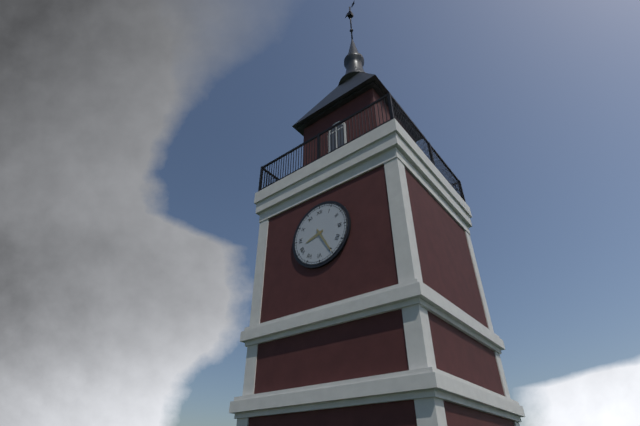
8:25
